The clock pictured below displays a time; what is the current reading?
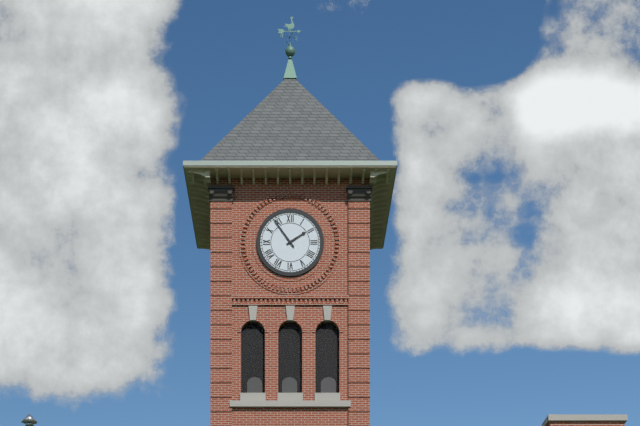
1:54
